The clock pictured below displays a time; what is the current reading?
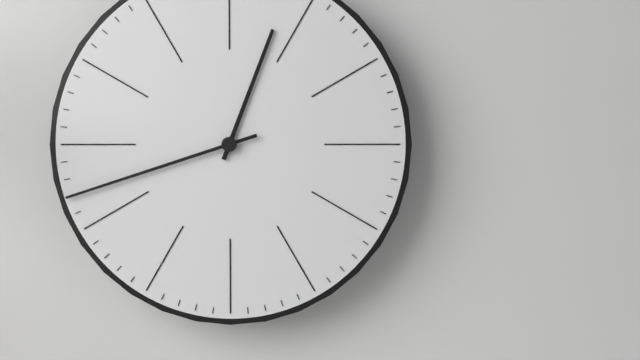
12:42
